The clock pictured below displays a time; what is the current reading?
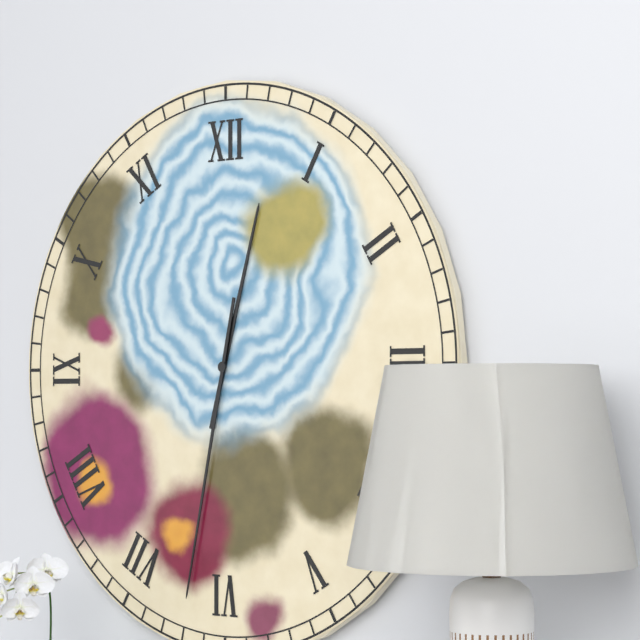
12:32
